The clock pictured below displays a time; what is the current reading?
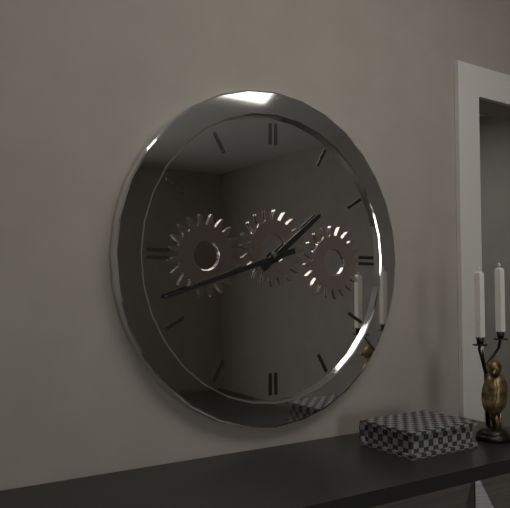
1:42
